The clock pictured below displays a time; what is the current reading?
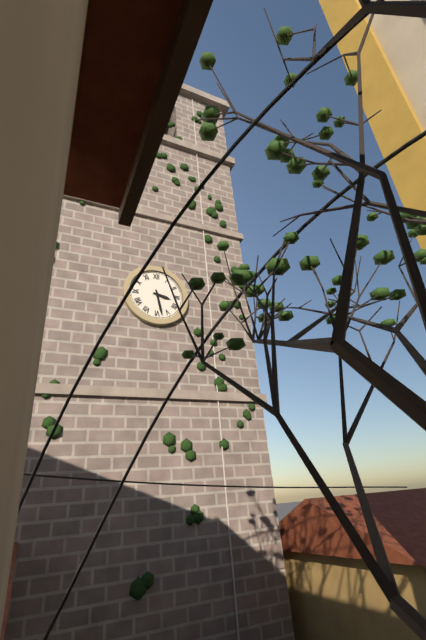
3:28
